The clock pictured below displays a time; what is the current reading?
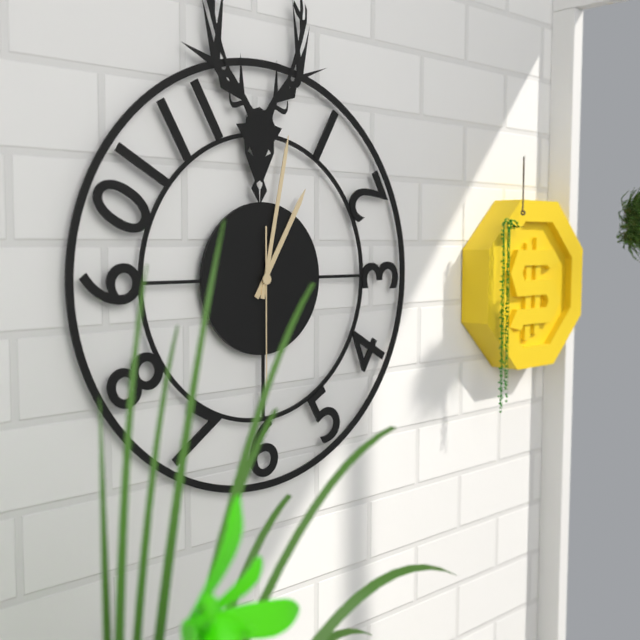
1:02:30
